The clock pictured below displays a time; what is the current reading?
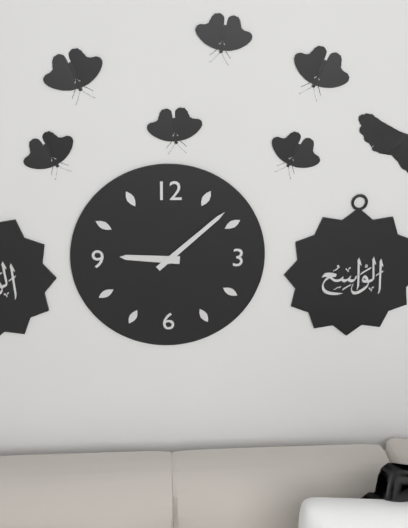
9:08
